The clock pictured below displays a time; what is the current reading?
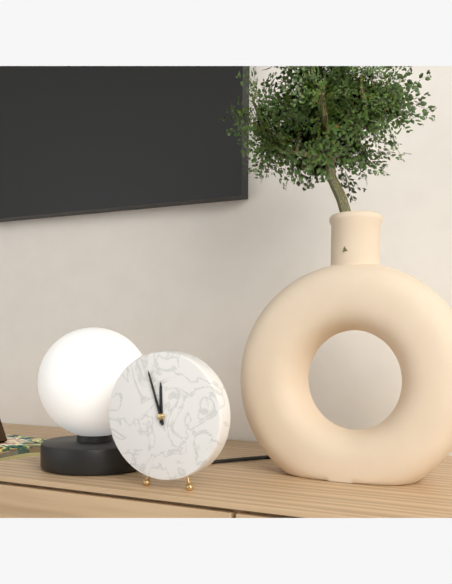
11:57
